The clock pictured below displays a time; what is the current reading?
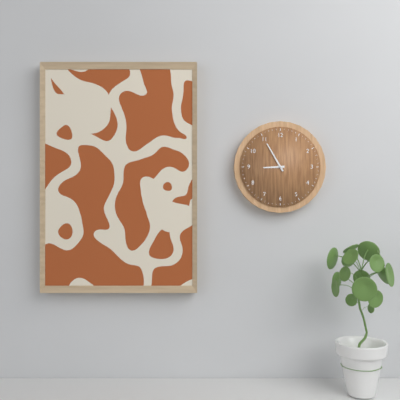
8:55
